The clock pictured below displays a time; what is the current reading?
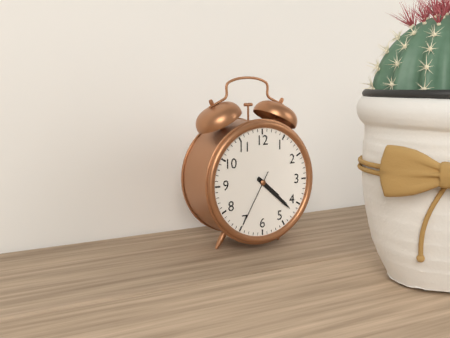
4:22:35
